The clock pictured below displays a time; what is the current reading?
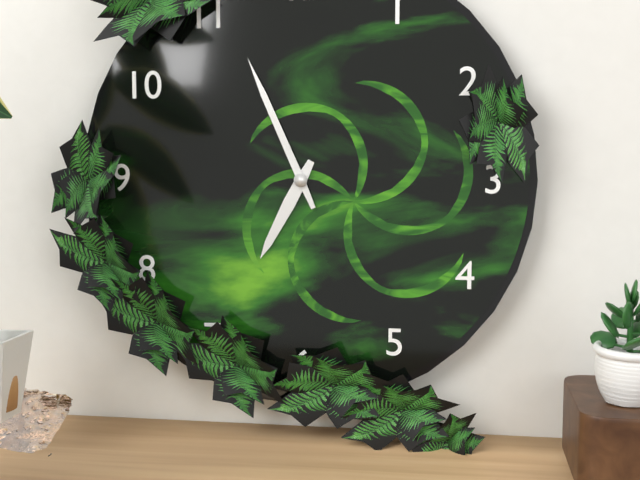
6:56
